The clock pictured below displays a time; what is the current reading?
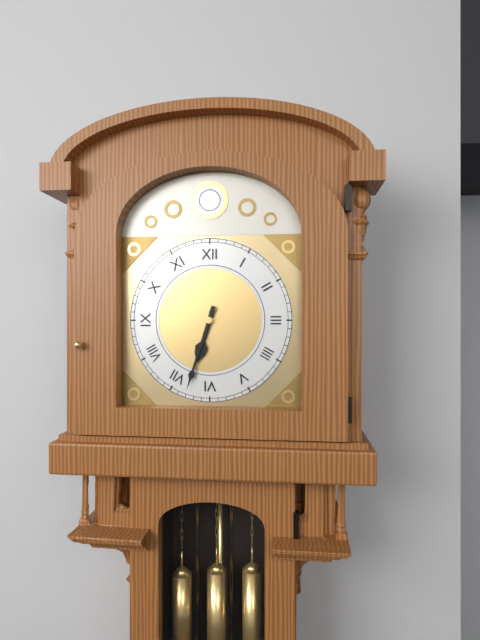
6:33
